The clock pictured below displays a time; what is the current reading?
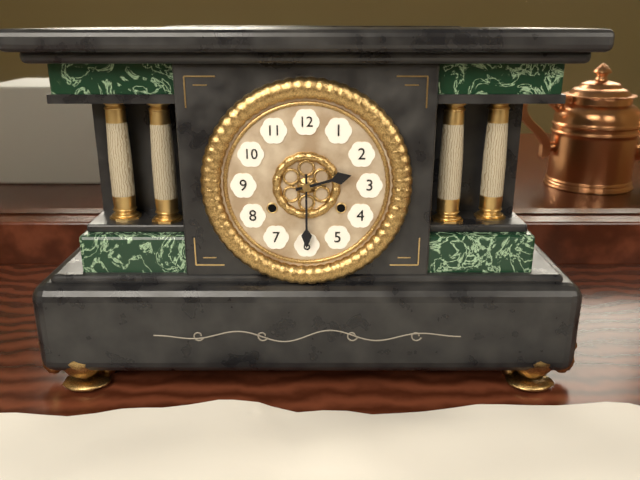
2:30
